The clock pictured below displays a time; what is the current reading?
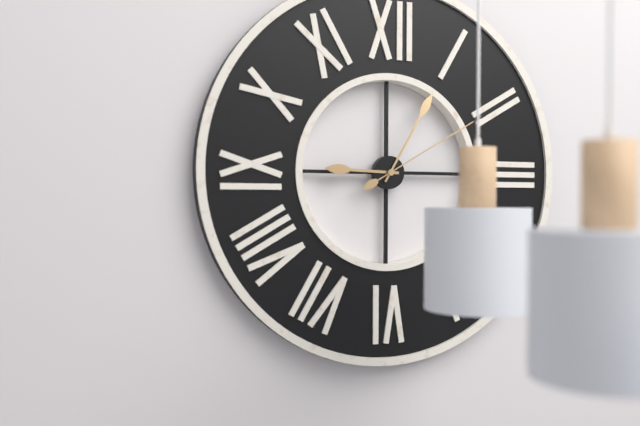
9:05:10
